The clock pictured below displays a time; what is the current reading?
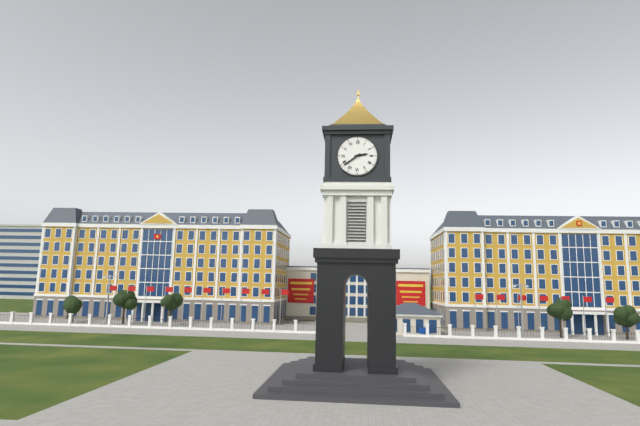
2:39
